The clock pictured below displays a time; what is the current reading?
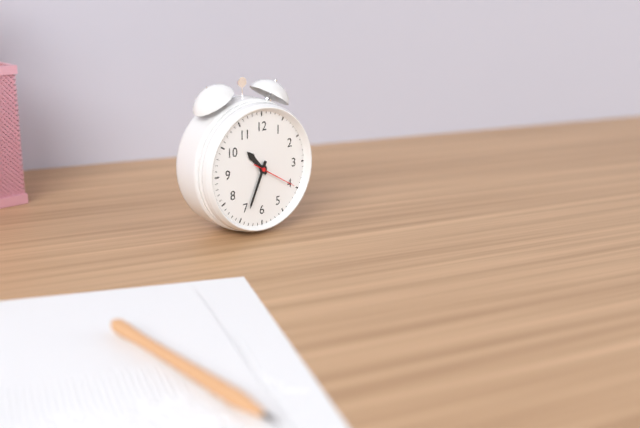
10:34
